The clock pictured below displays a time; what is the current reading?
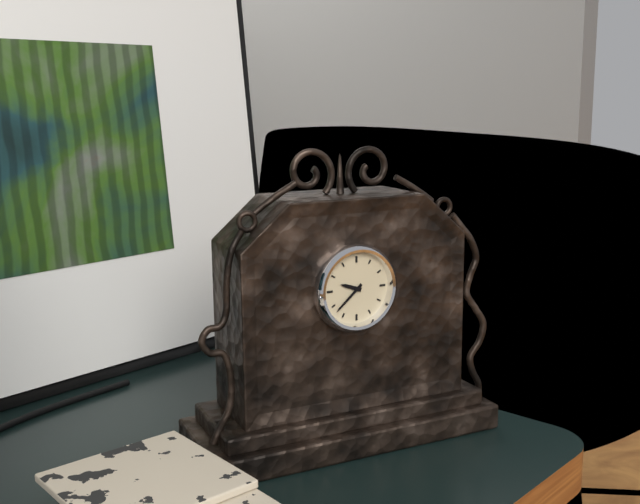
9:38
